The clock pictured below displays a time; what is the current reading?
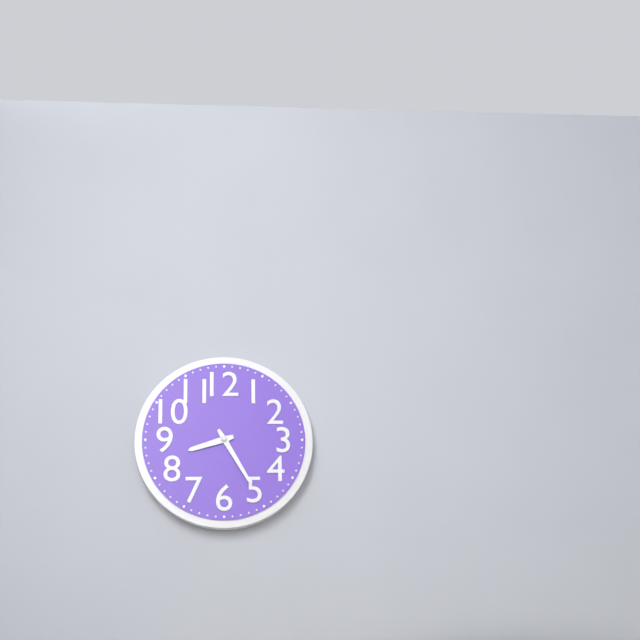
8:25
